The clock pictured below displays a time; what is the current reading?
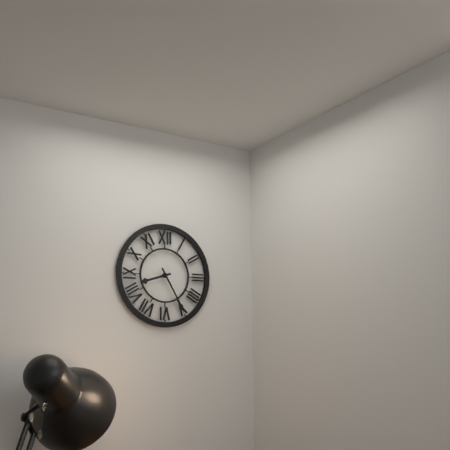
8:25
